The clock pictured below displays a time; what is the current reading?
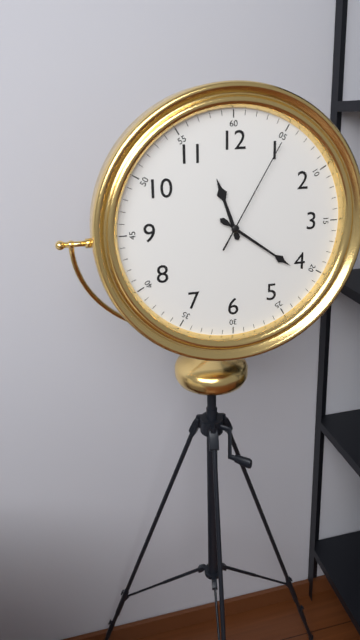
11:21:05
